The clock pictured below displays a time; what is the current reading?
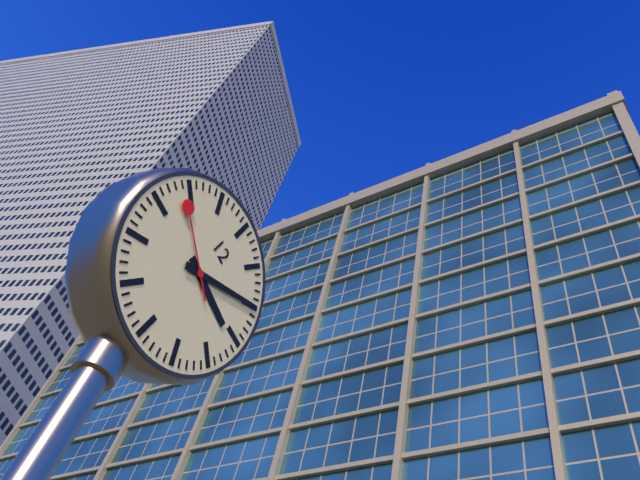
3:10:49
